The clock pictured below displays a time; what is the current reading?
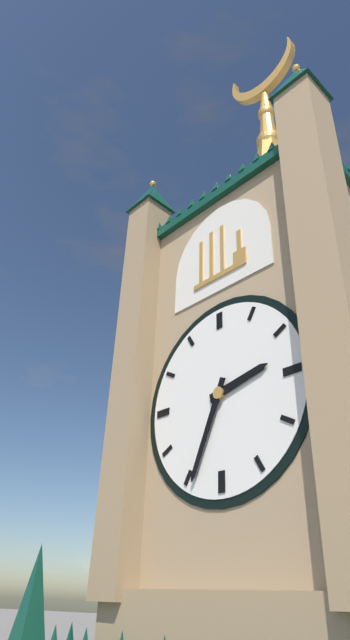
2:34
